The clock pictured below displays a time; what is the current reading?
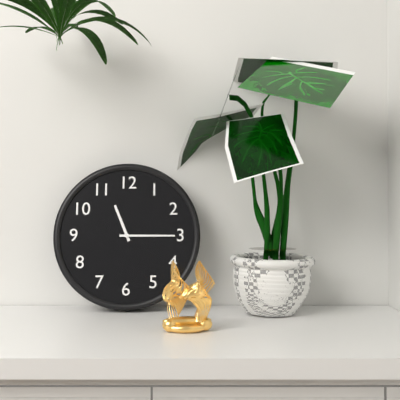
11:15
